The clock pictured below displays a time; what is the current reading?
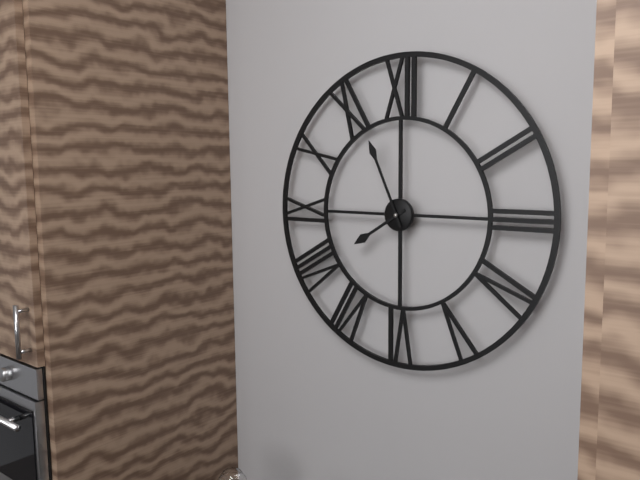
7:56
